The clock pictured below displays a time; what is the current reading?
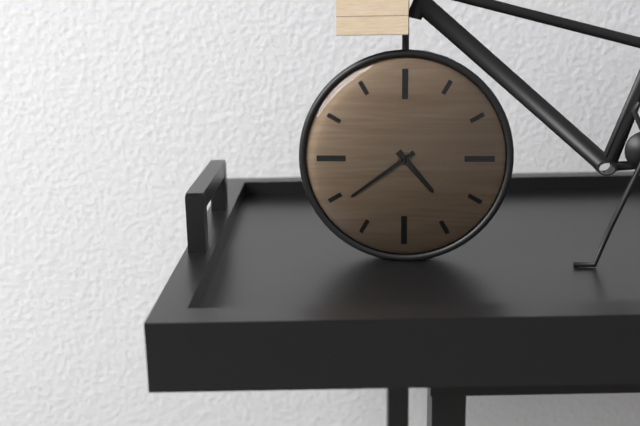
4:39
